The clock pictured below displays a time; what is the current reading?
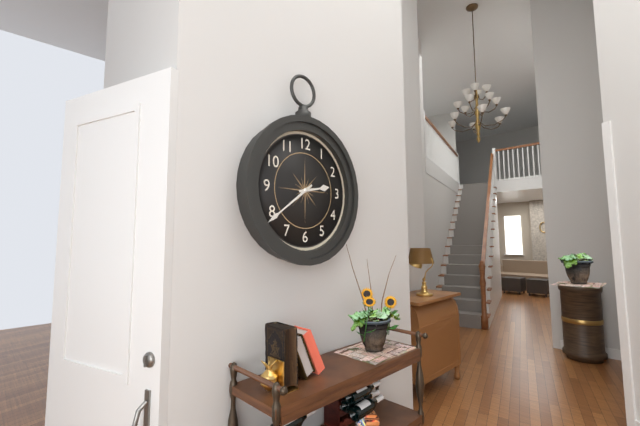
2:39
